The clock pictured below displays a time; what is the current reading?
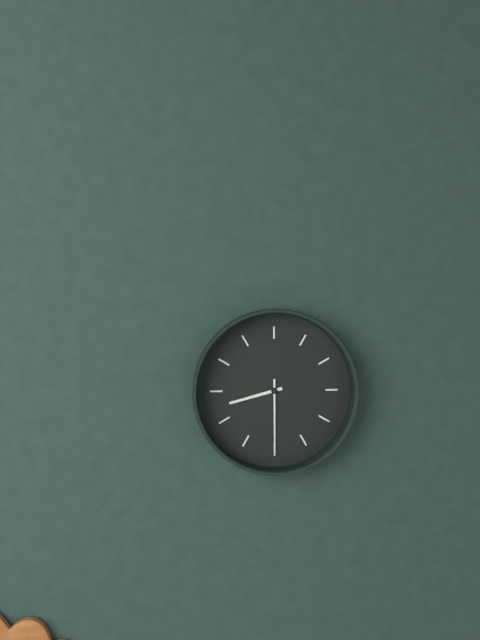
8:30
